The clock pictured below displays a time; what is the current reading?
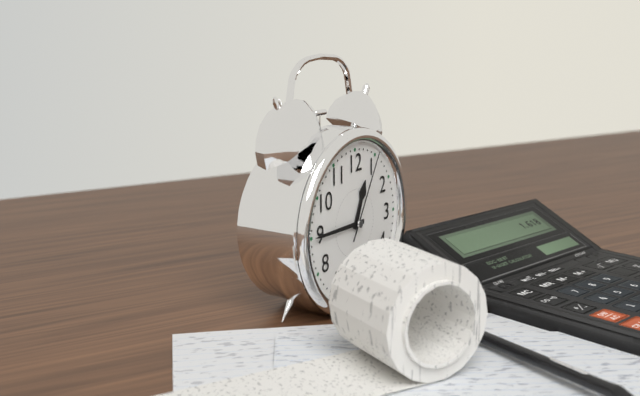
12:45:05
